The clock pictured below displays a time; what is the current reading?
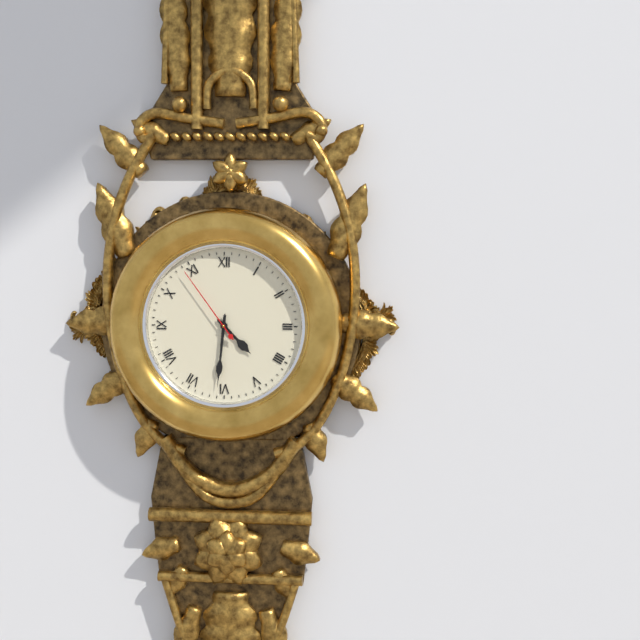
4:31:54
